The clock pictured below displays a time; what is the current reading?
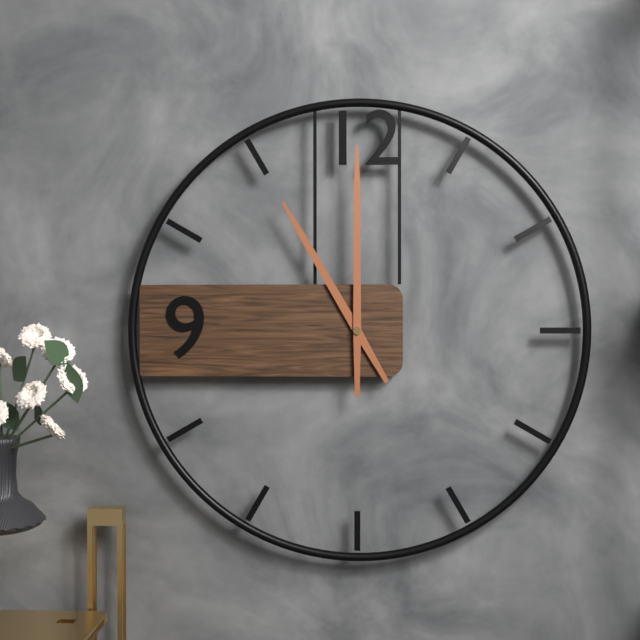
11:00
